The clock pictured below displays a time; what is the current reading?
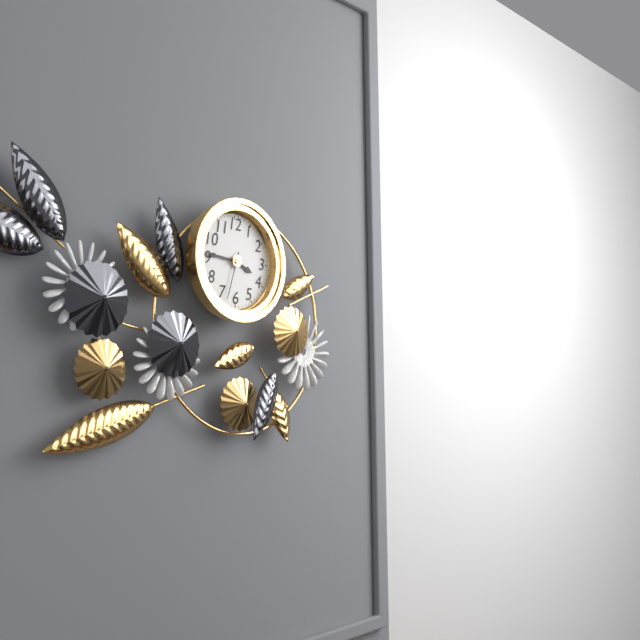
3:46
